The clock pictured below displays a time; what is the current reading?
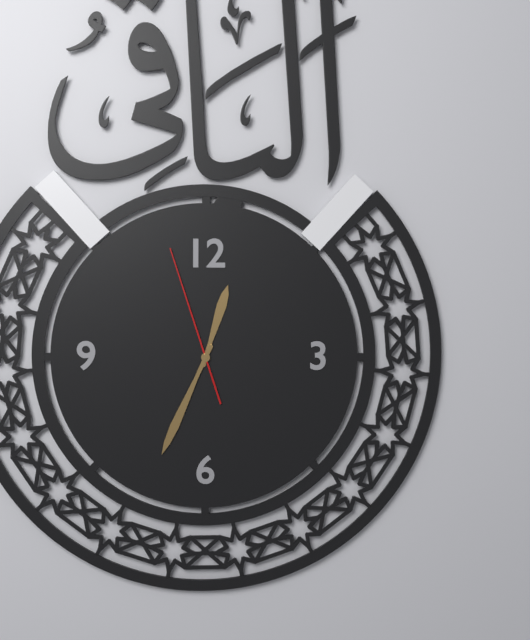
12:34:57
